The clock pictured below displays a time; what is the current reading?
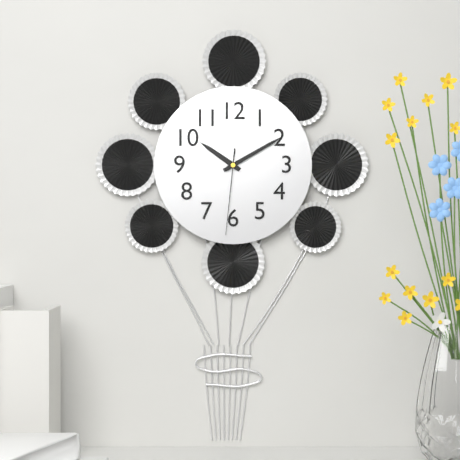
10:10:31
